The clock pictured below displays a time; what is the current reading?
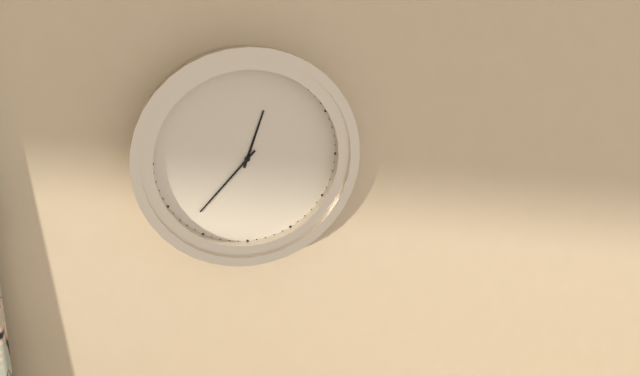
12:37
